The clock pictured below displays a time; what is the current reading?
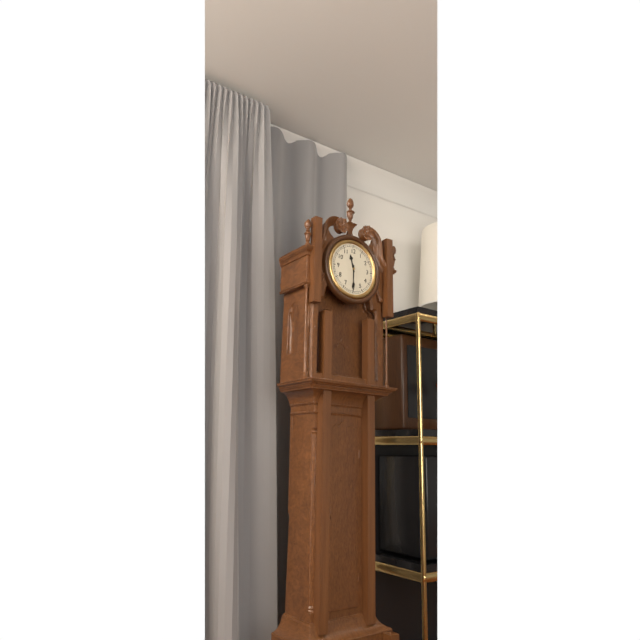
11:30
